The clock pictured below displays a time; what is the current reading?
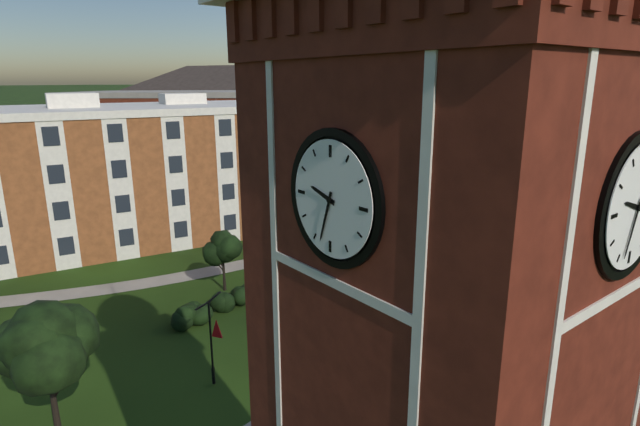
9:33
